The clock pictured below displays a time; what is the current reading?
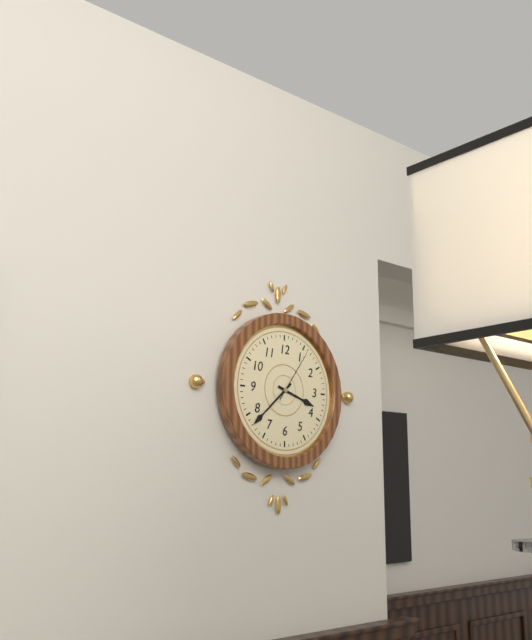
3:38:06
